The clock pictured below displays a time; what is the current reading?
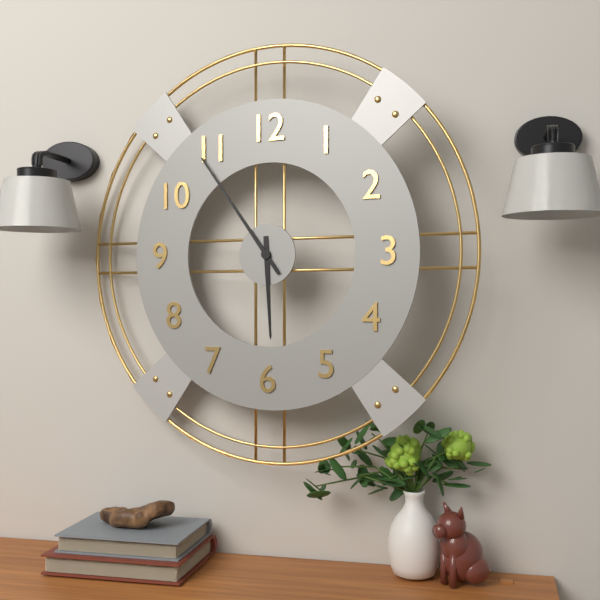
5:54
